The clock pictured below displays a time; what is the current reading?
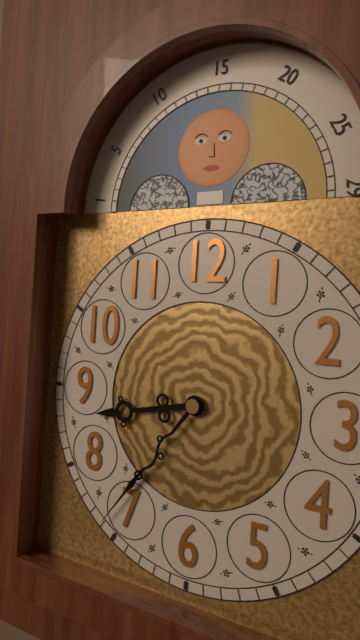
8:36
